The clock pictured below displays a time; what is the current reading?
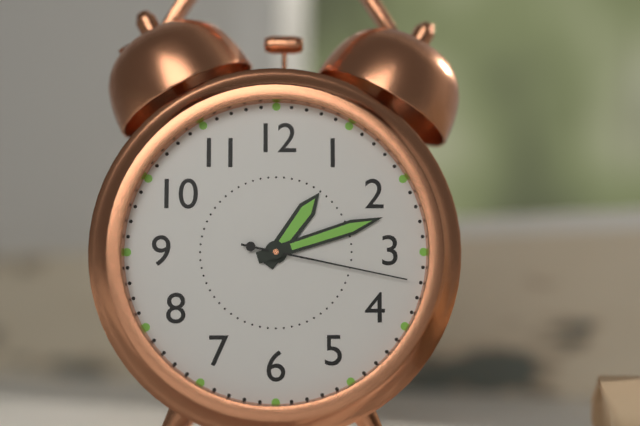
1:12:17
